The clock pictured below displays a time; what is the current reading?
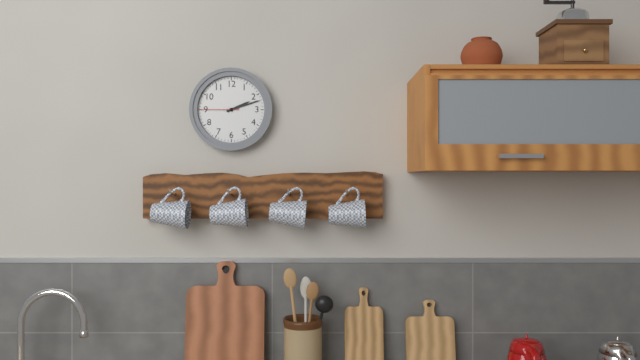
2:12
